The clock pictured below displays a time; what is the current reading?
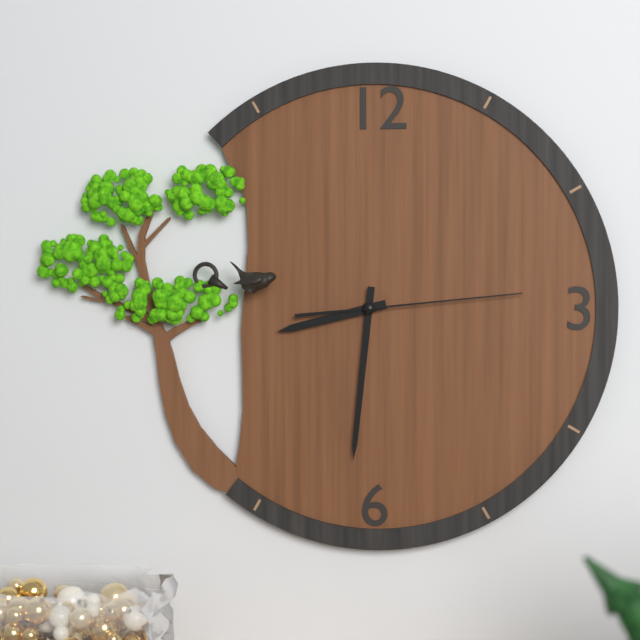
8:31:14
